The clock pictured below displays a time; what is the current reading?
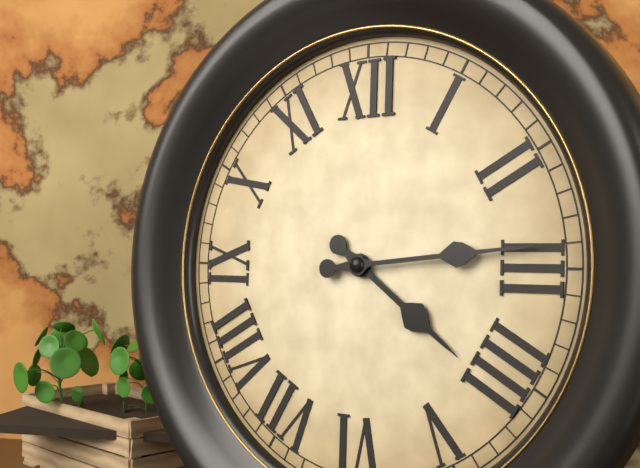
4:14
